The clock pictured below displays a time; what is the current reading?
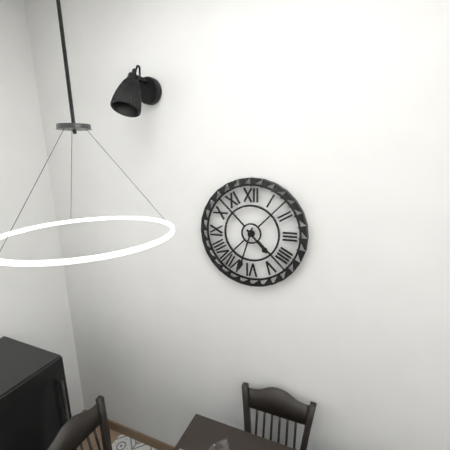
4:33
